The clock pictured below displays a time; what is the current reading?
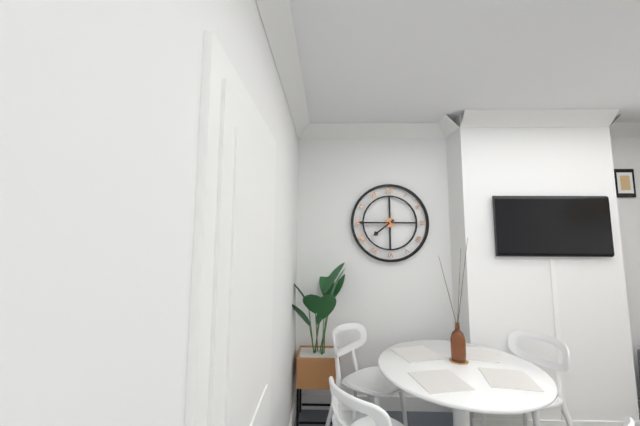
7:45
